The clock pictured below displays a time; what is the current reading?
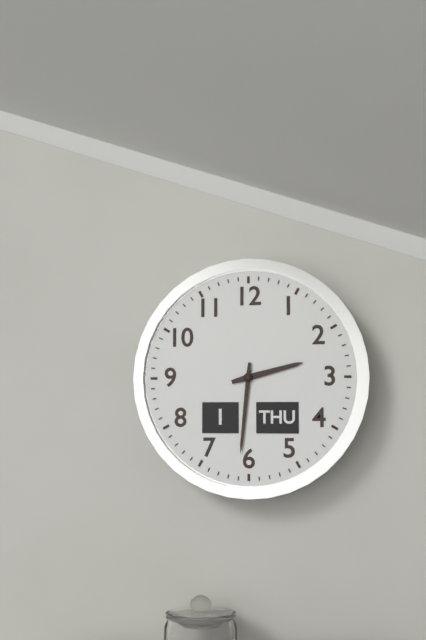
2:31
